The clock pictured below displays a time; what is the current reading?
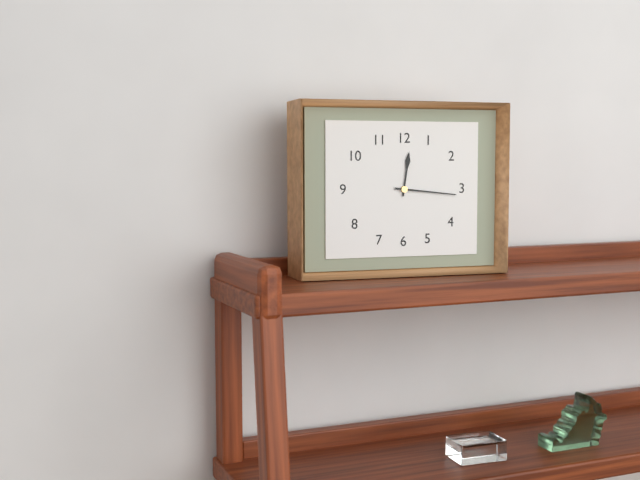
12:16
